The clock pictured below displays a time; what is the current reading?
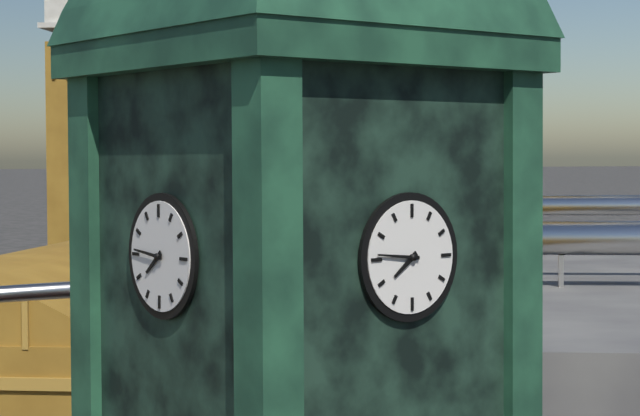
7:46
